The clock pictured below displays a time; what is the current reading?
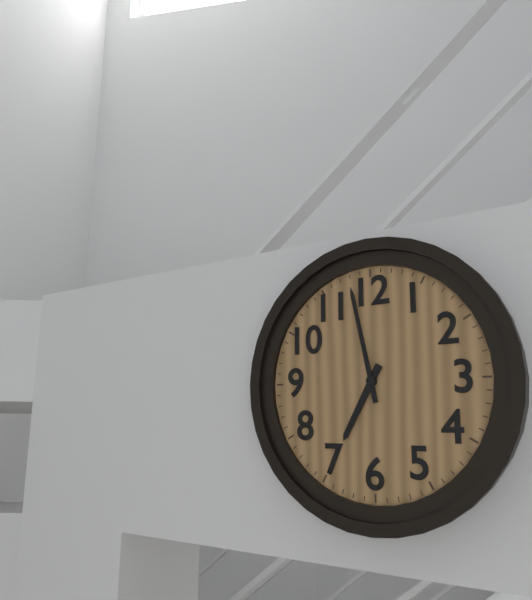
6:58
